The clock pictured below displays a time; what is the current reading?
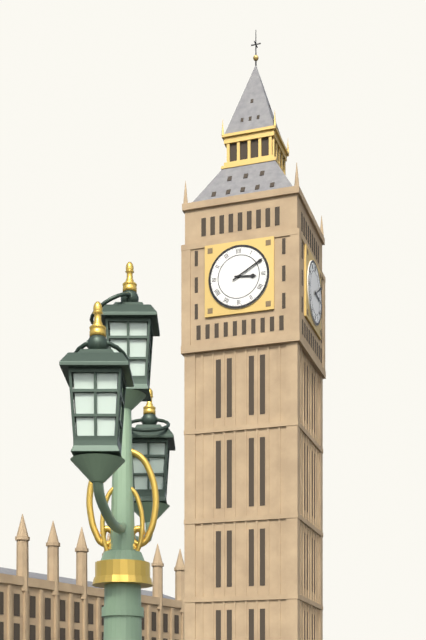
3:10
